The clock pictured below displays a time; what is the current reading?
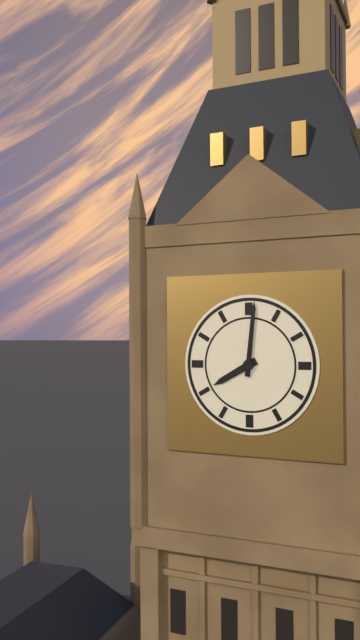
8:01
